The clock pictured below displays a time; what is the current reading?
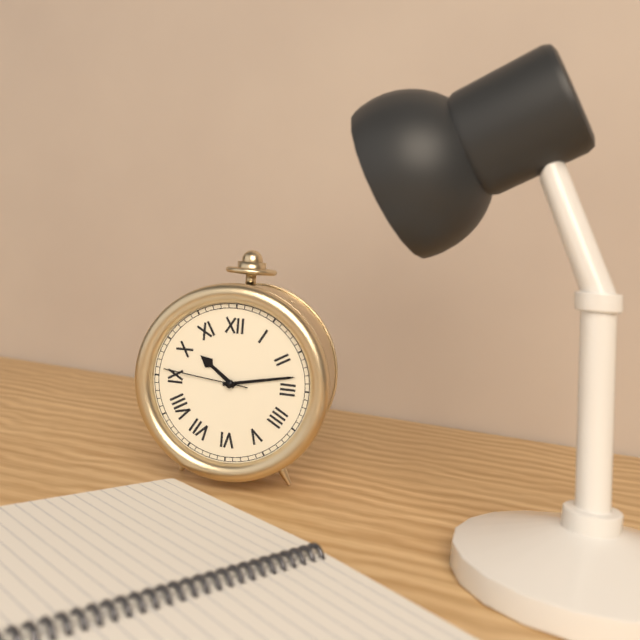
10:13:46
